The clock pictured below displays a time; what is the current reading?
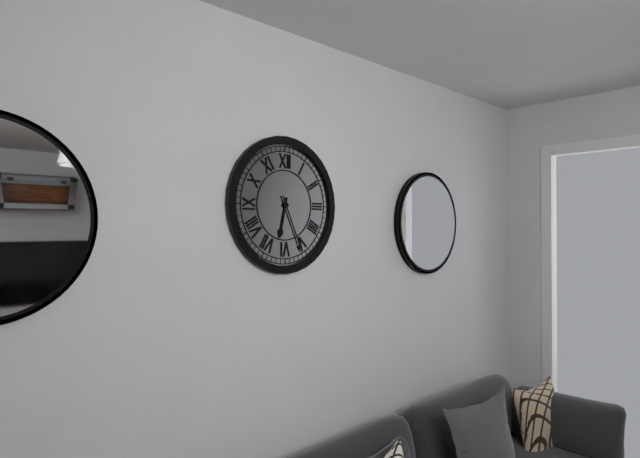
6:26
